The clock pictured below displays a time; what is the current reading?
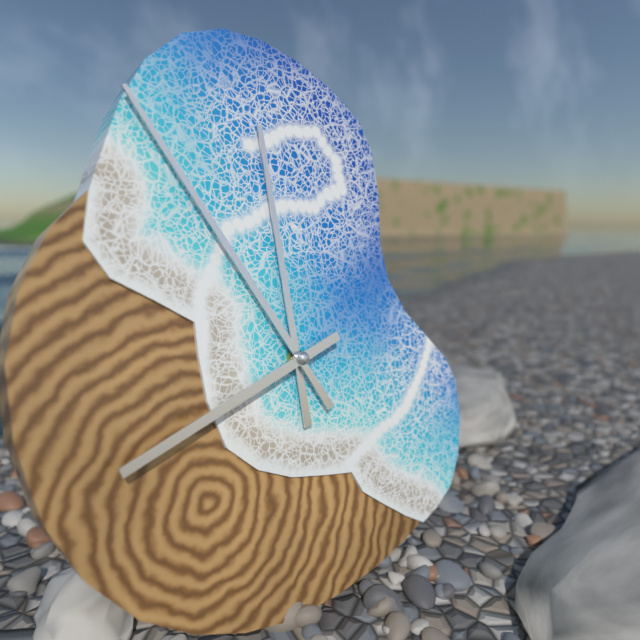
11:55:42
